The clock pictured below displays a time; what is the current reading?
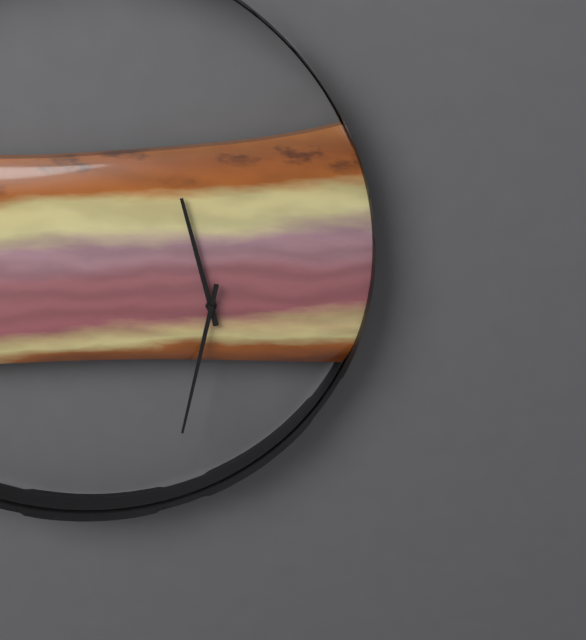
11:32
